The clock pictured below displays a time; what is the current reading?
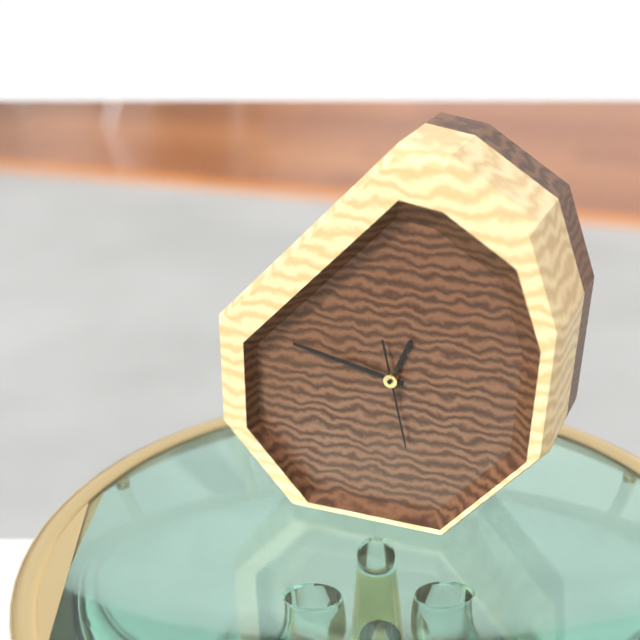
12:47:28
